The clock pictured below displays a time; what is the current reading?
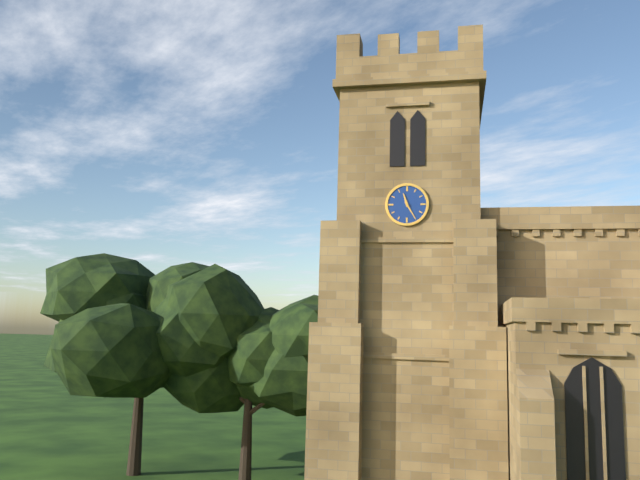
11:25
